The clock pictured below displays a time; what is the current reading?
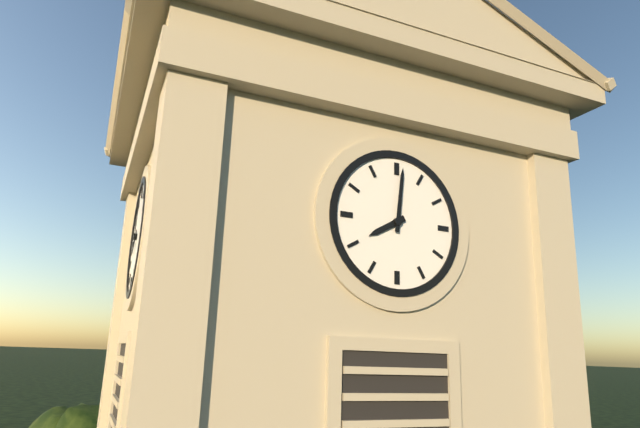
8:01
